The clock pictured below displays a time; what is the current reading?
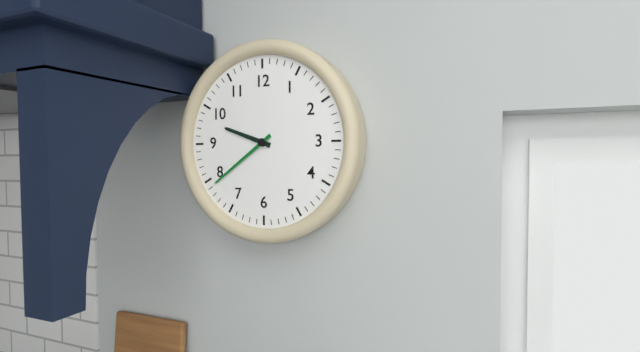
9:39
